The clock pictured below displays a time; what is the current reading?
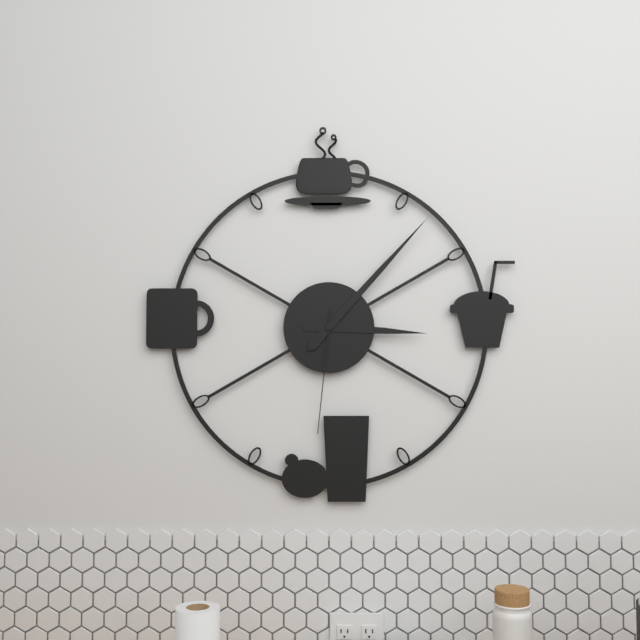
3:07:31
